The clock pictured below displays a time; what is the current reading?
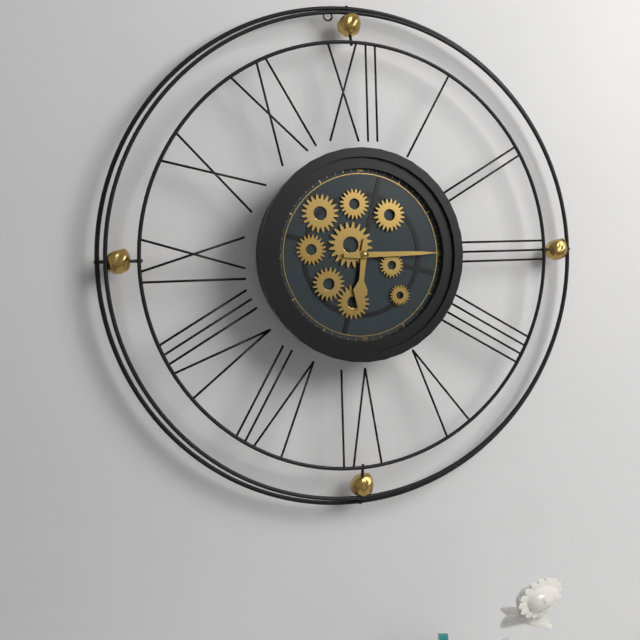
6:15
